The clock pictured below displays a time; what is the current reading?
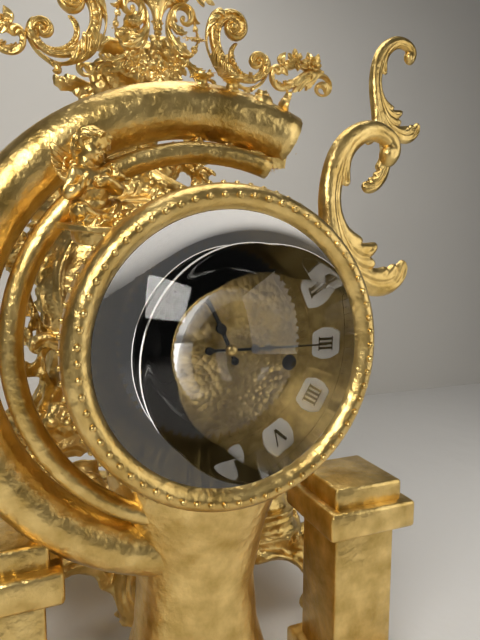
11:15
